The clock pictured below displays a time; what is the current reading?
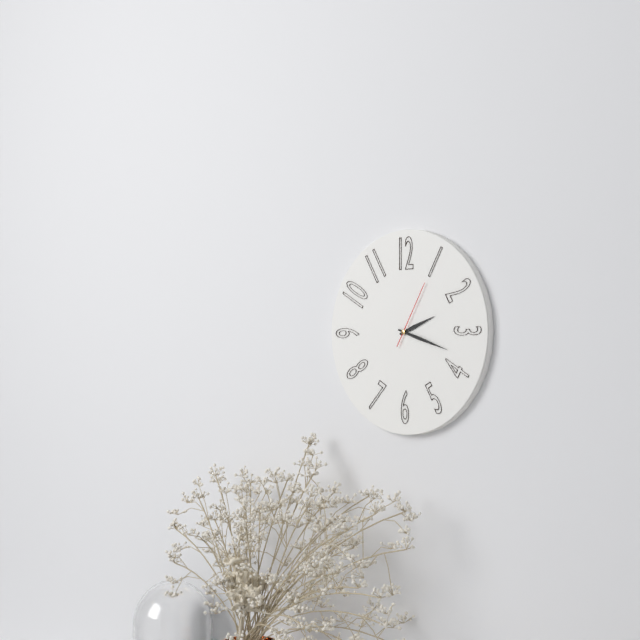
2:18:05
